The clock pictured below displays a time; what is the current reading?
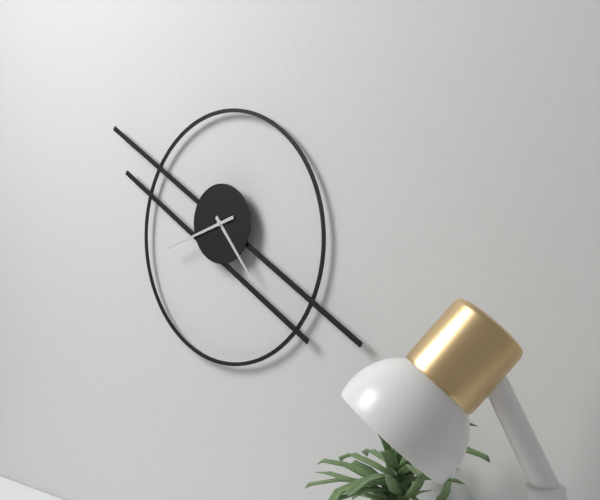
4:42
